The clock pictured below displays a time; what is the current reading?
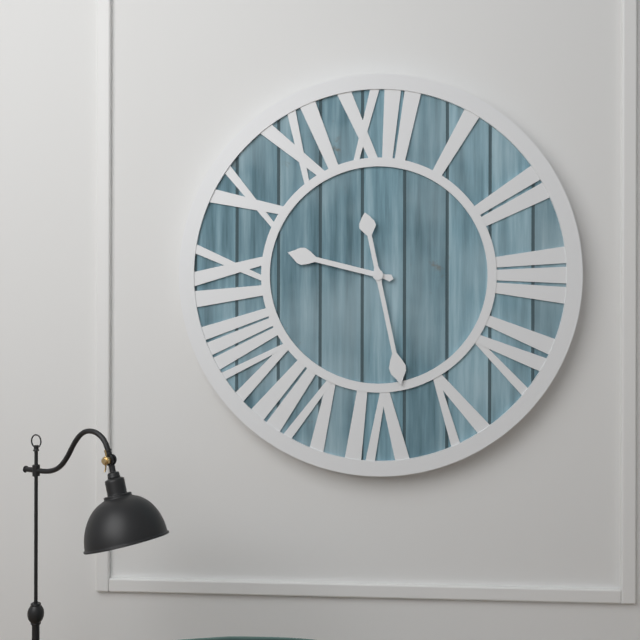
9:28
